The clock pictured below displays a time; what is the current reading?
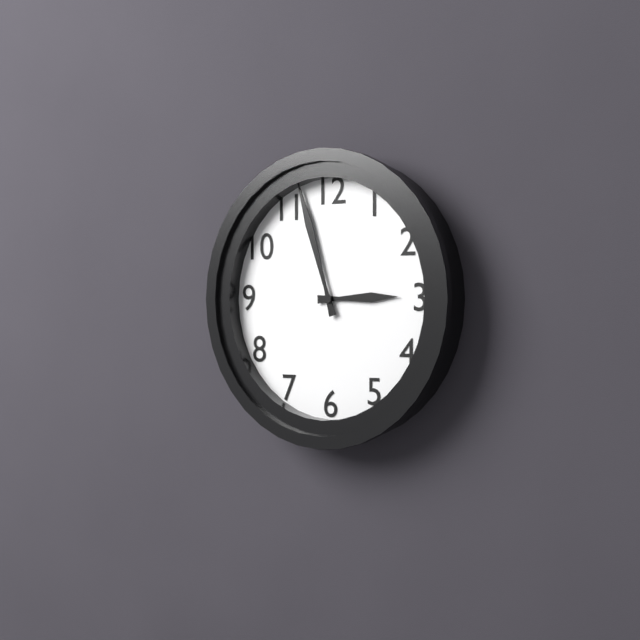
2:57
